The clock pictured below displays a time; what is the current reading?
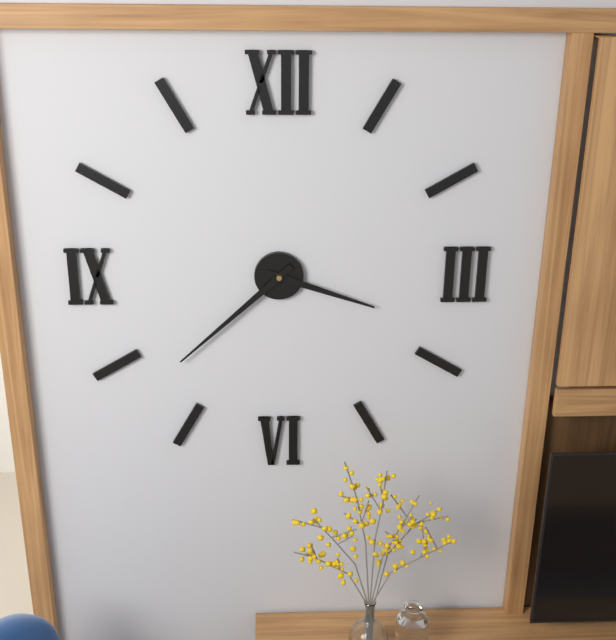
3:38
